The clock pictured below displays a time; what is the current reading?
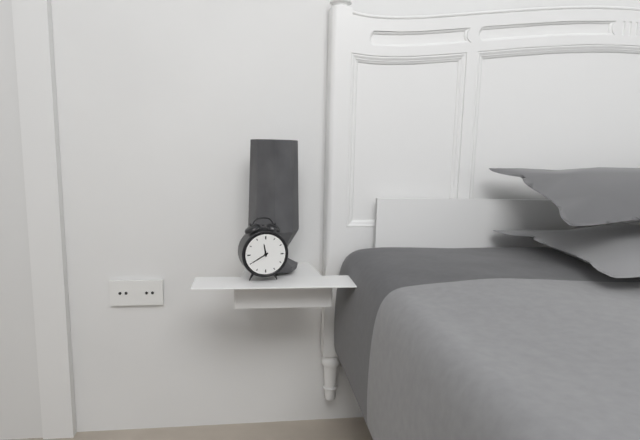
11:40
